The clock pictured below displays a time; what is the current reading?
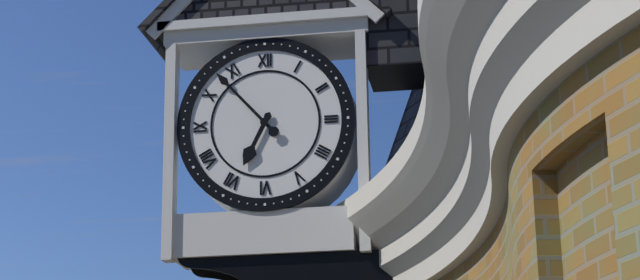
6:53
